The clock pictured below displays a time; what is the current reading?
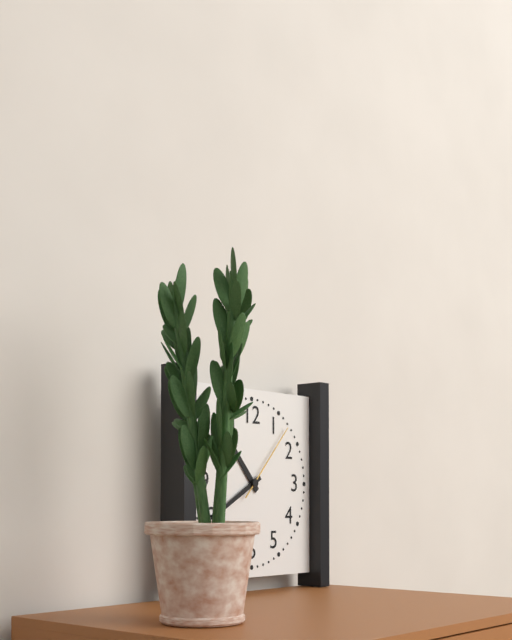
10:40:07
